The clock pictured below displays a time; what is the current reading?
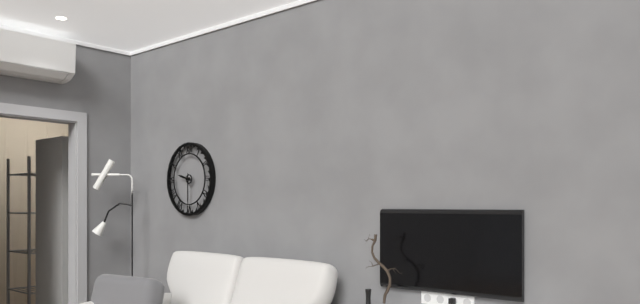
9:30
